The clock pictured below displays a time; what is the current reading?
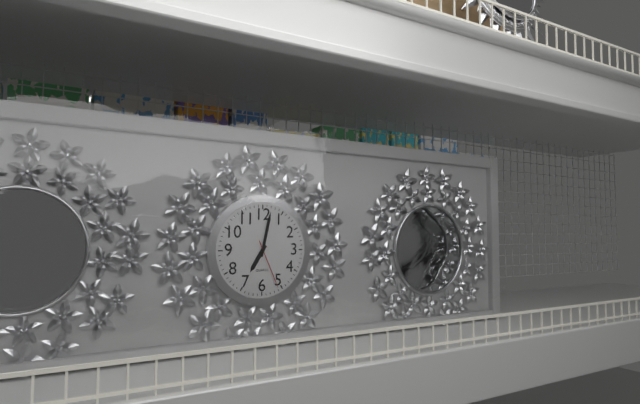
7:02:26
